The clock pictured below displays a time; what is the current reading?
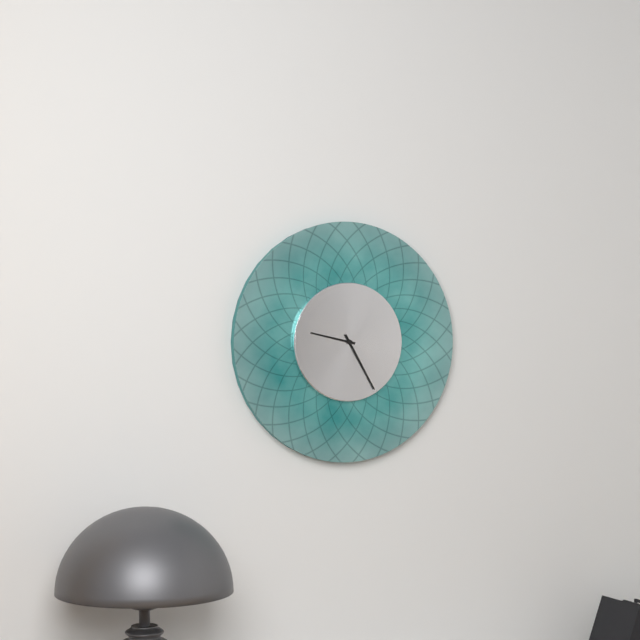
9:25
